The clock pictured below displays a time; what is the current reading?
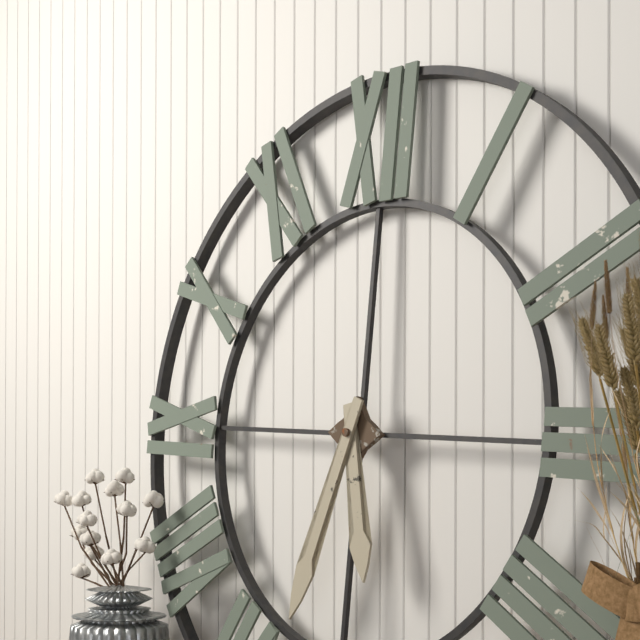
5:33
